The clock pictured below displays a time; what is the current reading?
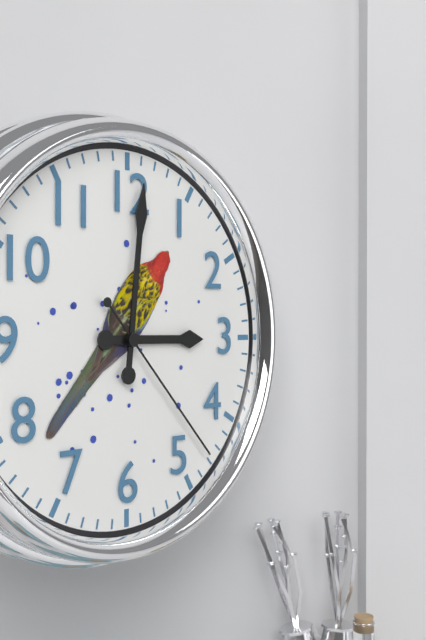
3:01:23
